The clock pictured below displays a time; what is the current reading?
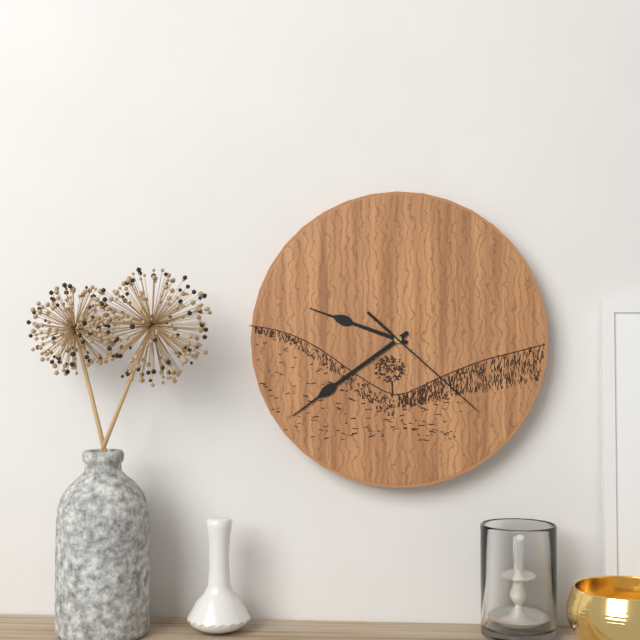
9:39:22
